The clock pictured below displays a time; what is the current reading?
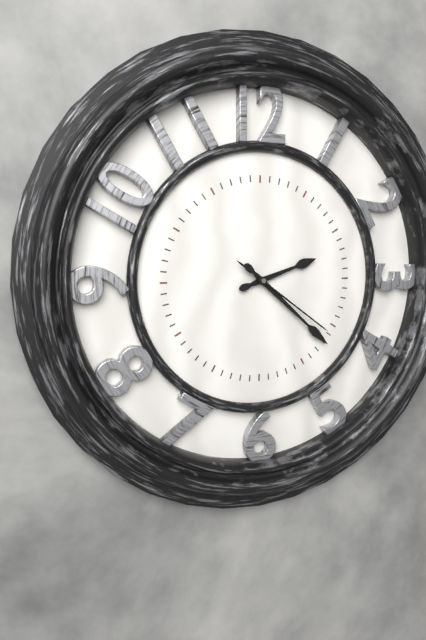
2:22:21
